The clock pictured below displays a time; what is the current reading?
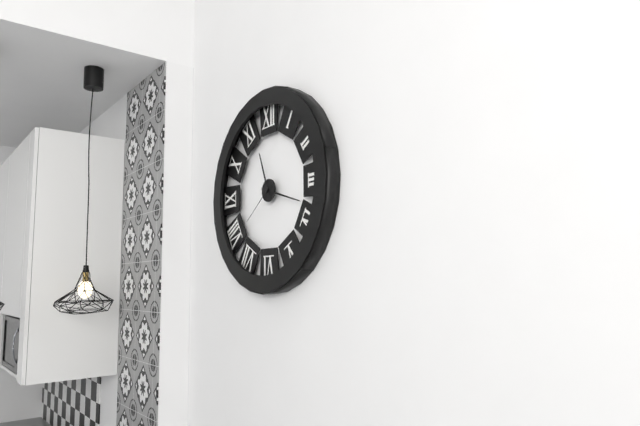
11:18:39
